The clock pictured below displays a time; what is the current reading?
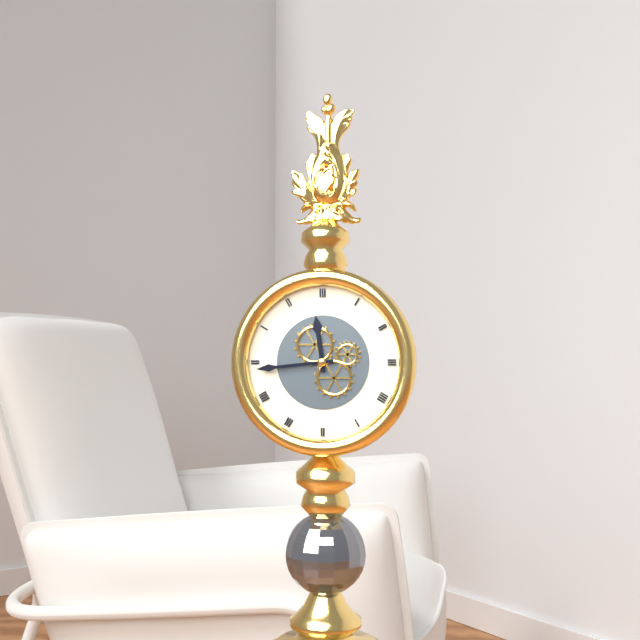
11:44
